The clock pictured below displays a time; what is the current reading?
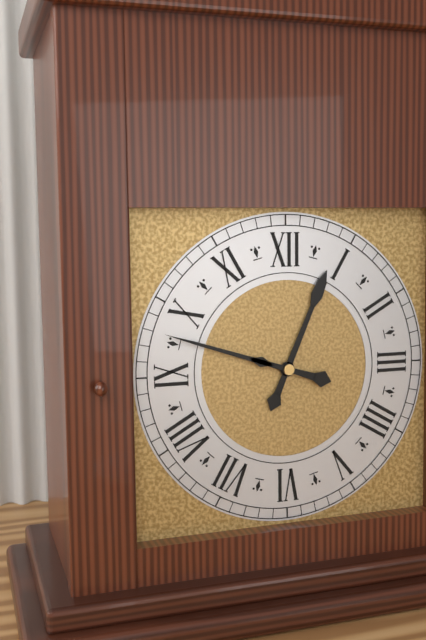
12:48
